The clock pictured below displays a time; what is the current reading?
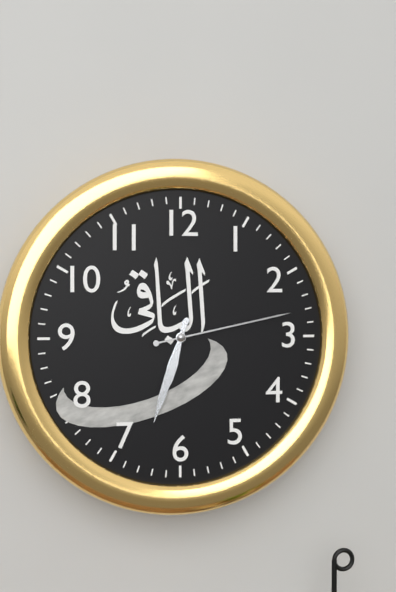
6:33:13
